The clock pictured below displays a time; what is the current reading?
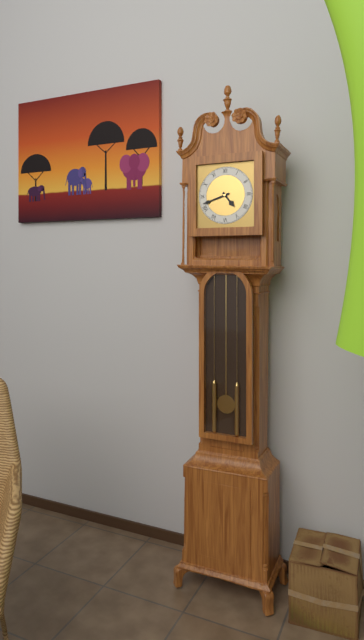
4:42
